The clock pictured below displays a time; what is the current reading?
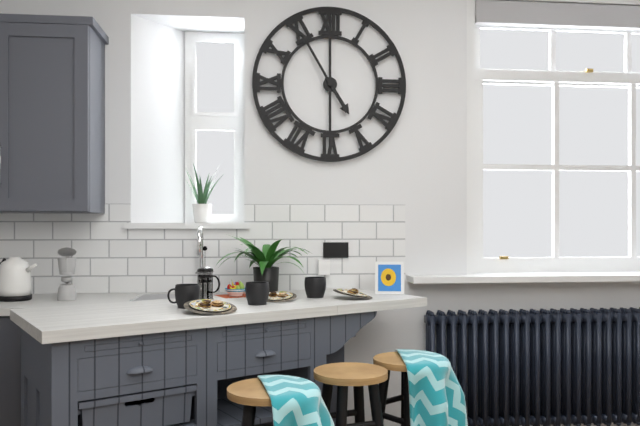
4:55
